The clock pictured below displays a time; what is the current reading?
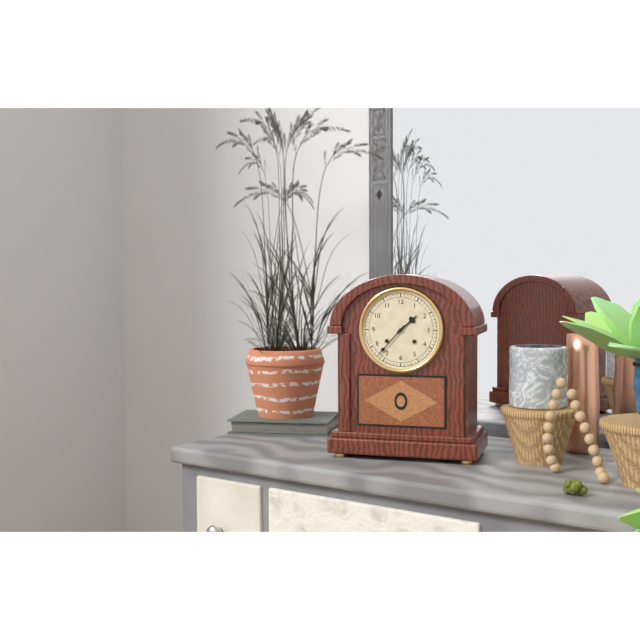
1:37
